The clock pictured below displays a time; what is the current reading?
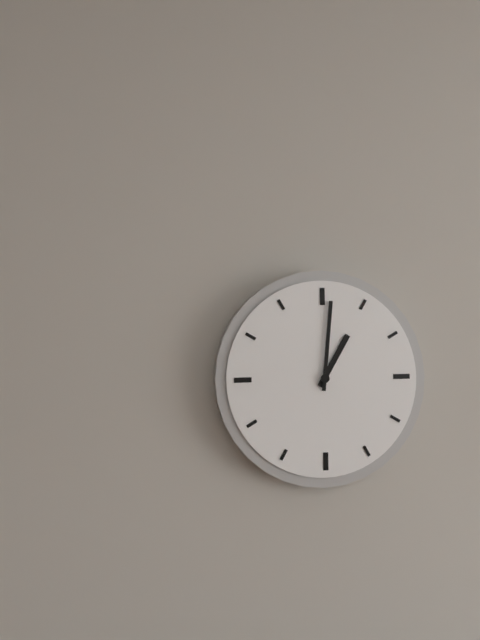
1:01
